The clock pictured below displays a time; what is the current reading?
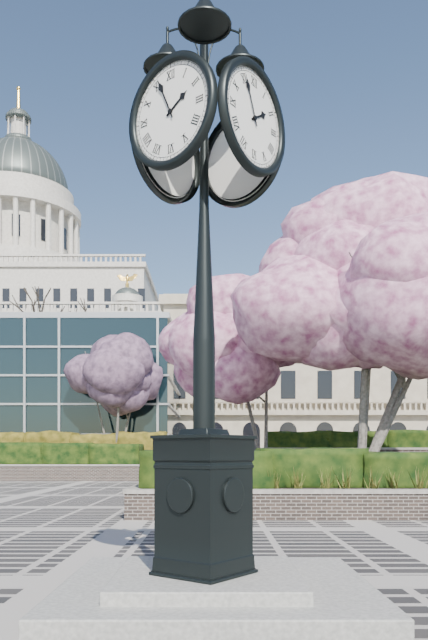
1:56
